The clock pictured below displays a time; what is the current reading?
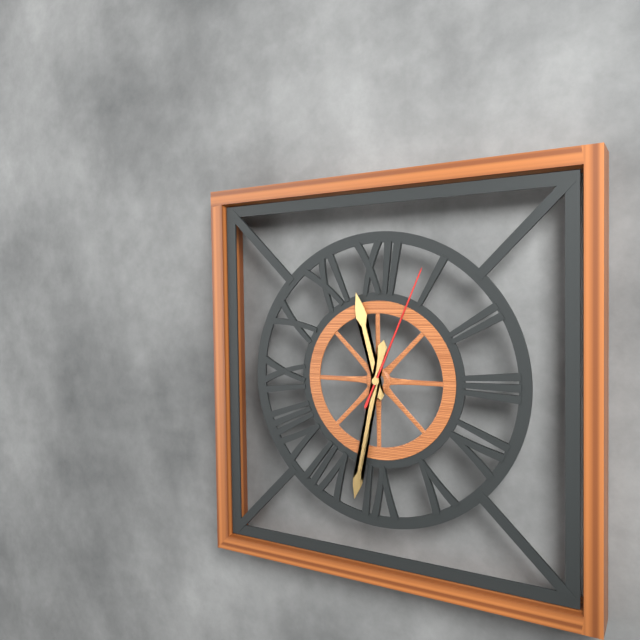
11:32:04
